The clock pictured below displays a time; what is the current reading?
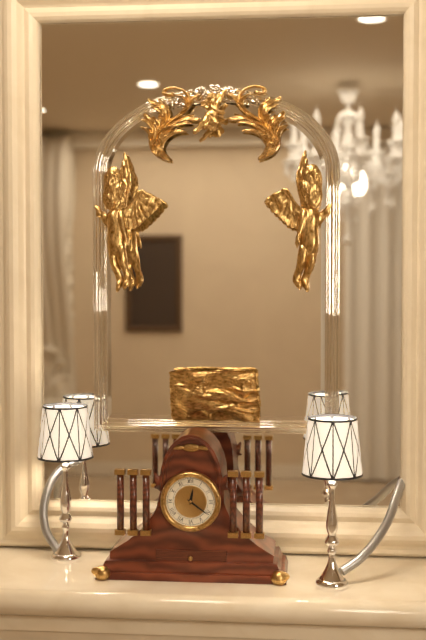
12:21
